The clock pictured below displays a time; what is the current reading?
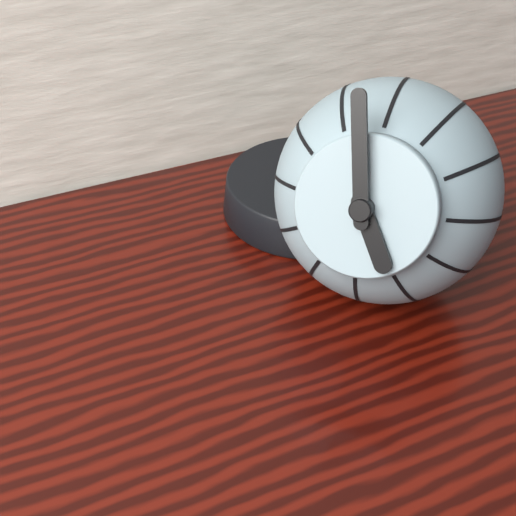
4:58
